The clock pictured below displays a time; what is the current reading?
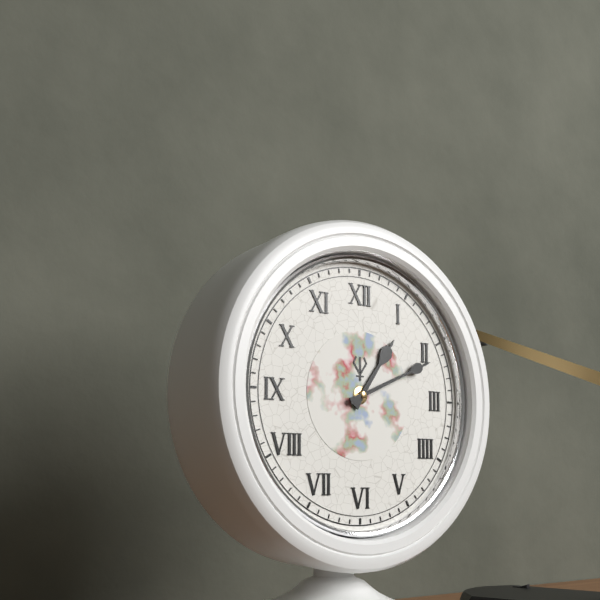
1:11
